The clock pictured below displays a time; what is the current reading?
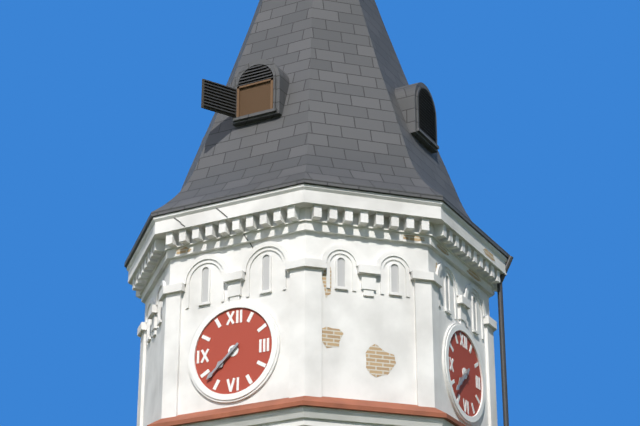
7:38
